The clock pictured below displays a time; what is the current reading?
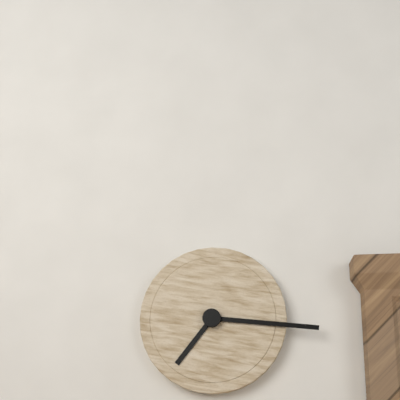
7:16
